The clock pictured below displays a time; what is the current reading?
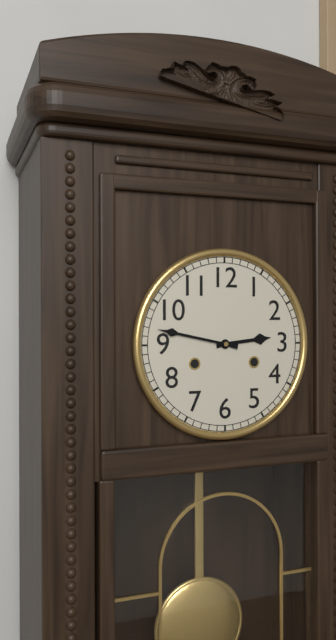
2:47
